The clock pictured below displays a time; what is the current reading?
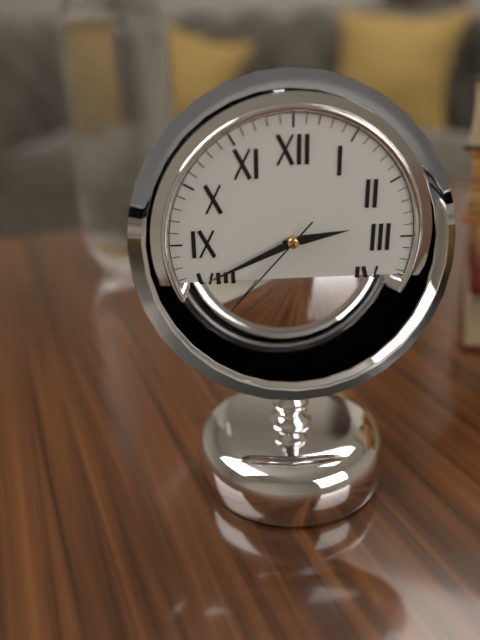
2:41:37
